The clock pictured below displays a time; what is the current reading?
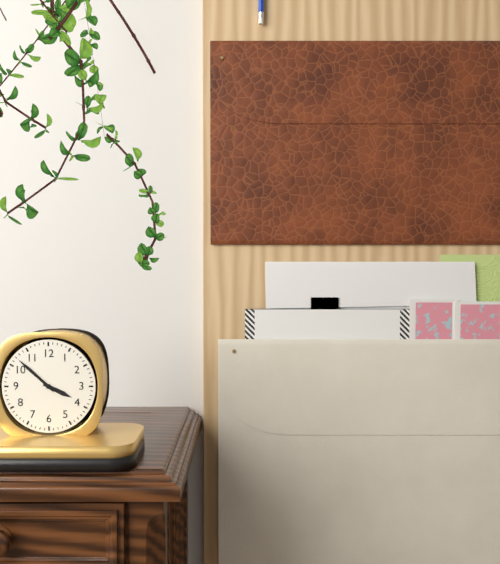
3:52
